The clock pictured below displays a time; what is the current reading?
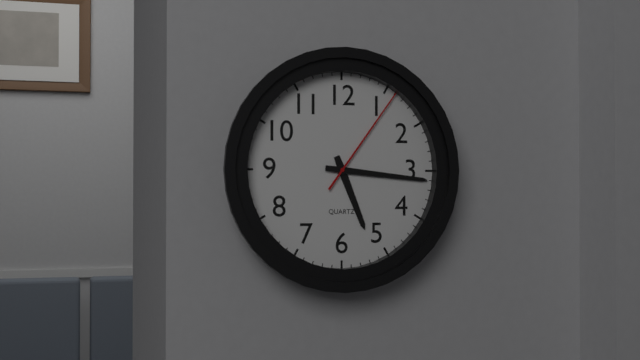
5:16:06
